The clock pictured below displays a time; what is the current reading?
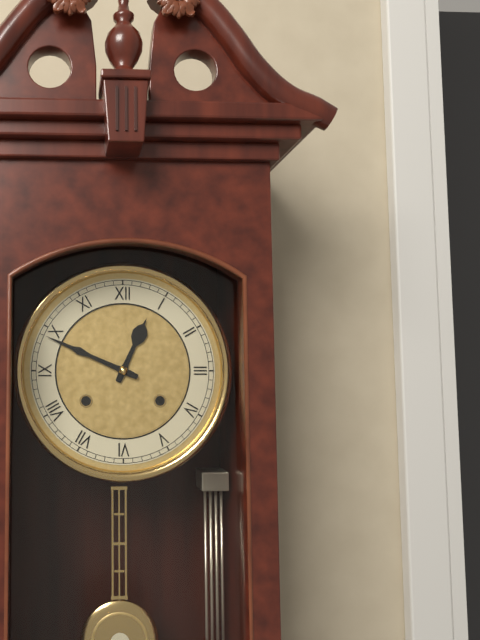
12:49
